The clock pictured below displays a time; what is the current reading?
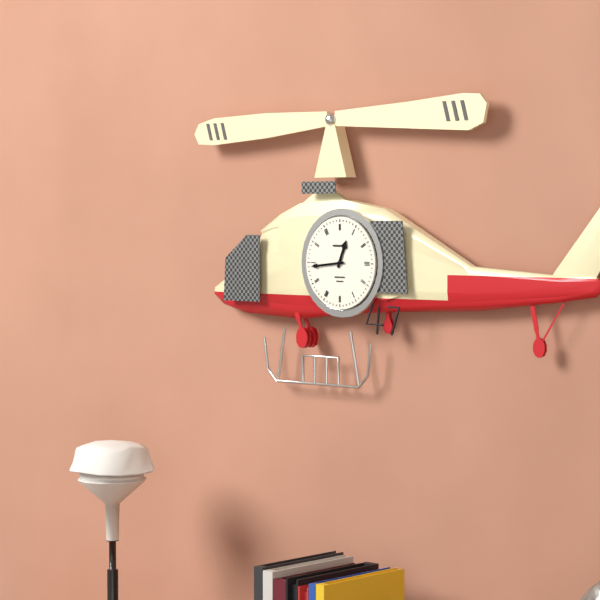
12:44
